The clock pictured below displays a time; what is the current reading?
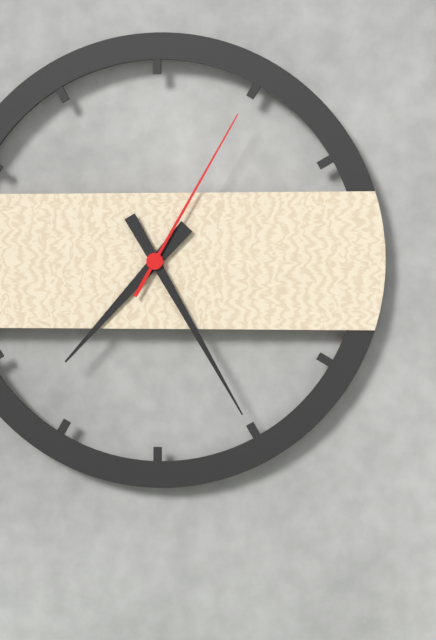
7:25:05
